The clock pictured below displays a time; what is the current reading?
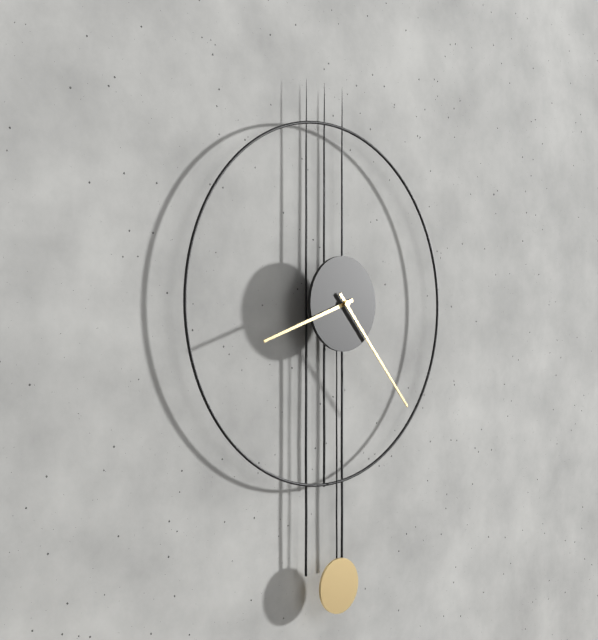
8:23
